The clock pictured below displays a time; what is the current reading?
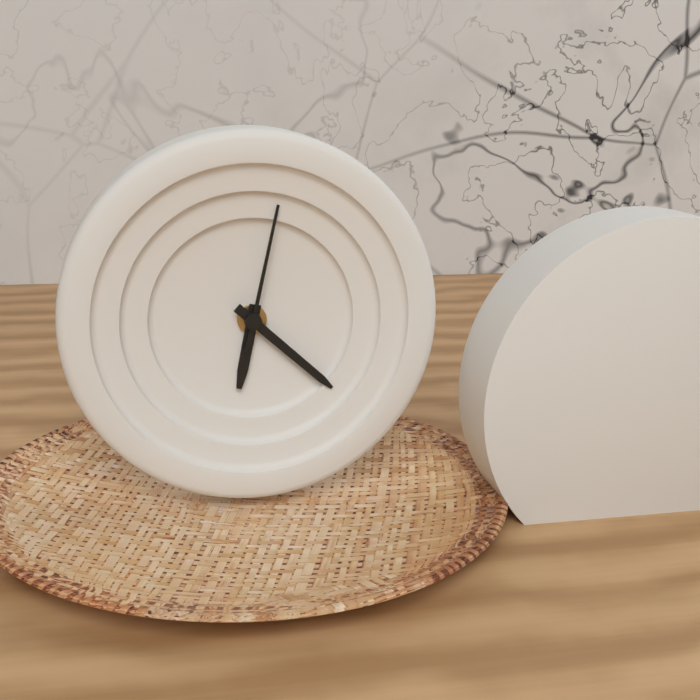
6:22:02
